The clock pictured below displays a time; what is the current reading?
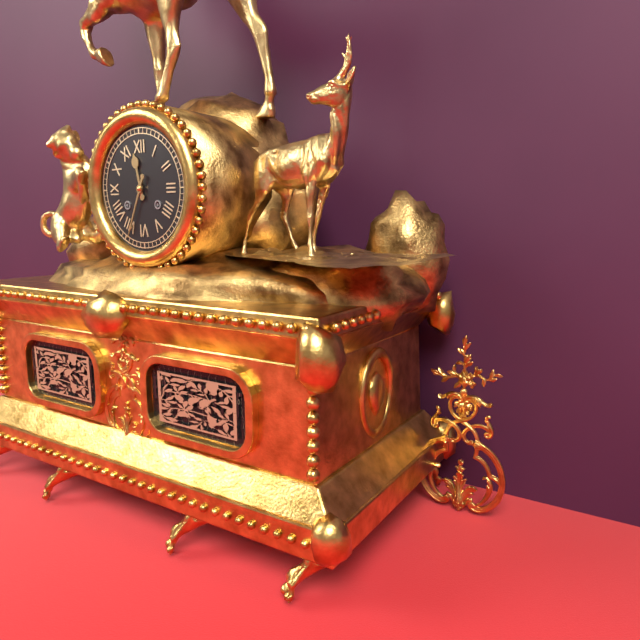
11:34
